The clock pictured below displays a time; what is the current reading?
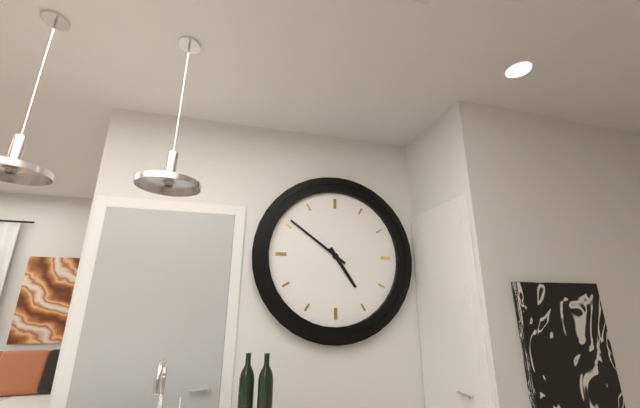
4:51
